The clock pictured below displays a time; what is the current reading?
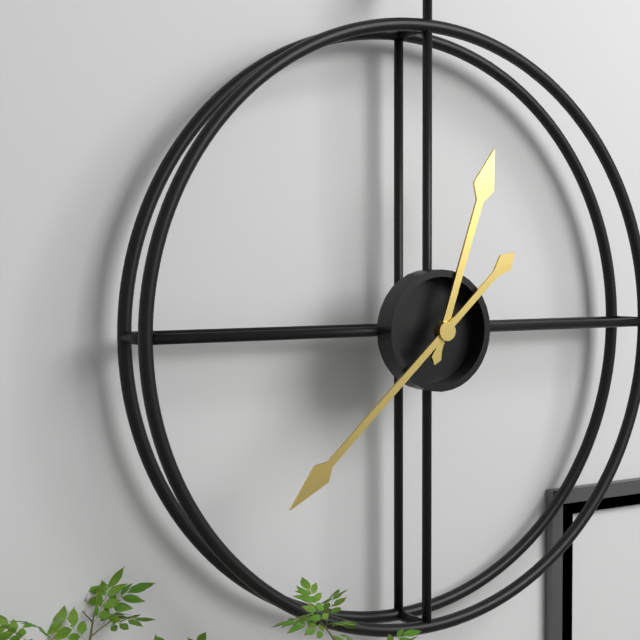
12:38
